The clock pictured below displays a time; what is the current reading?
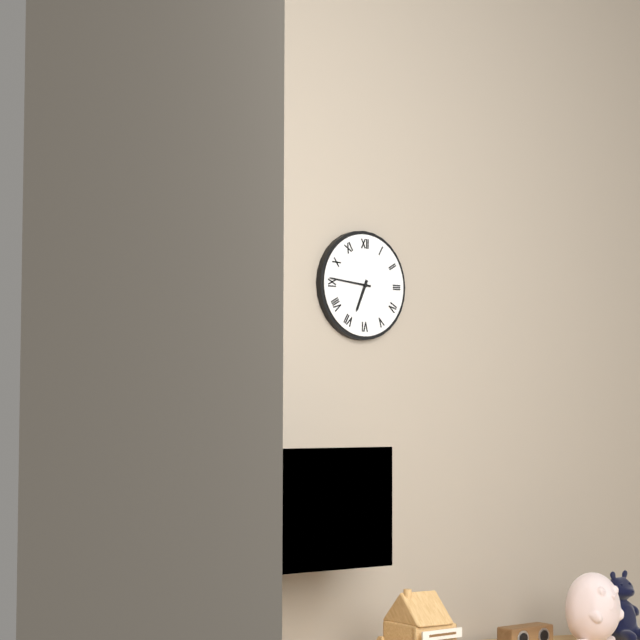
6:46
